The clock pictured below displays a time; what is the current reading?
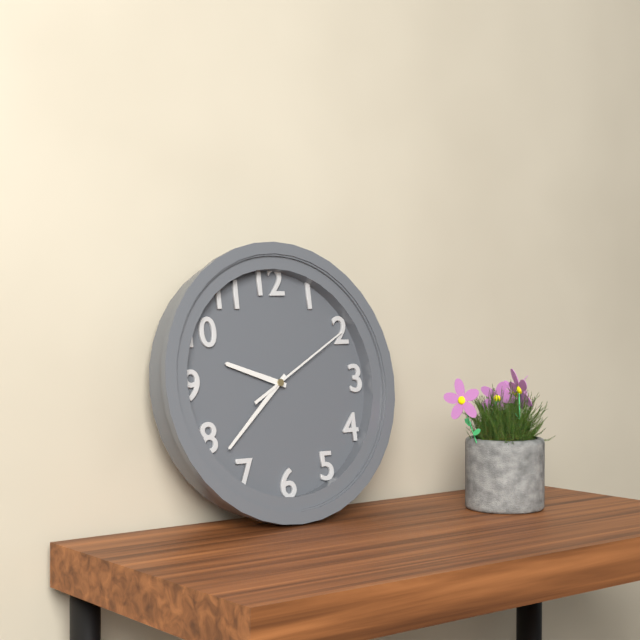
9:38:10
